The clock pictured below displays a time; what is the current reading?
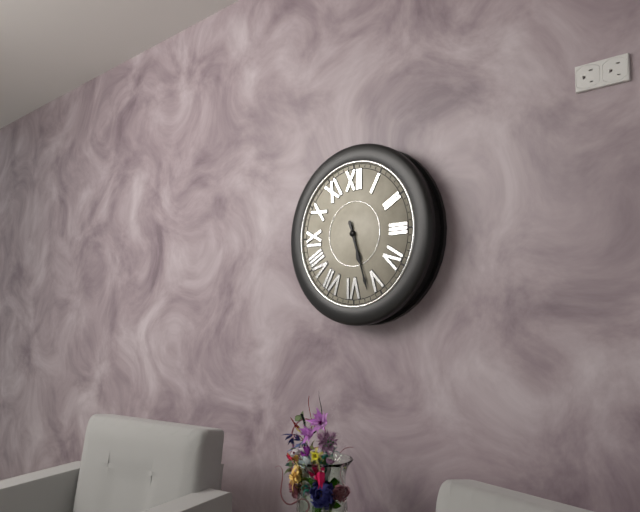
5:27
